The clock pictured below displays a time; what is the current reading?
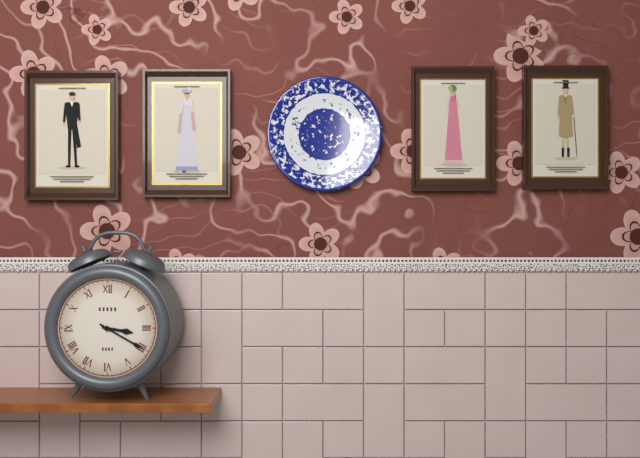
3:20
